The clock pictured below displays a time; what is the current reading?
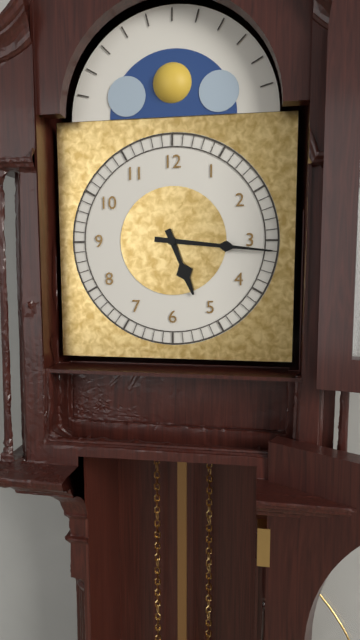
5:16
